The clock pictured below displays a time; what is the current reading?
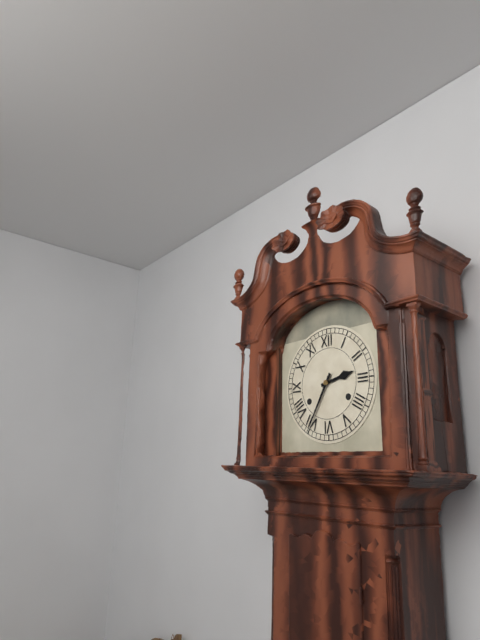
2:35
